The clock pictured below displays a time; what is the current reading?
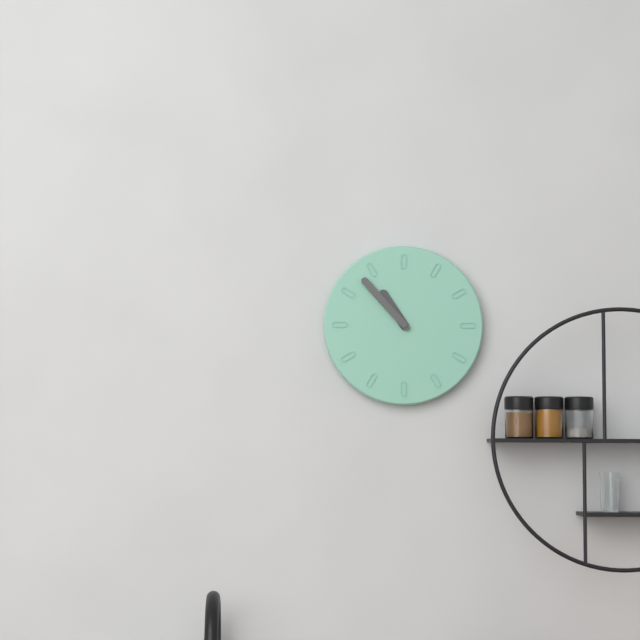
10:53
